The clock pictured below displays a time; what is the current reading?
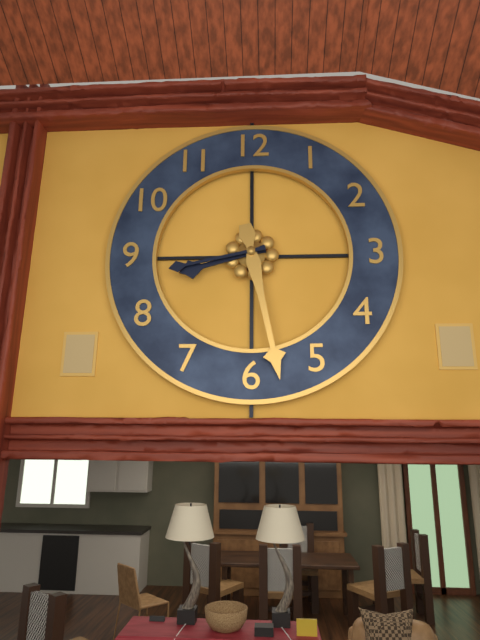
8:28:43
